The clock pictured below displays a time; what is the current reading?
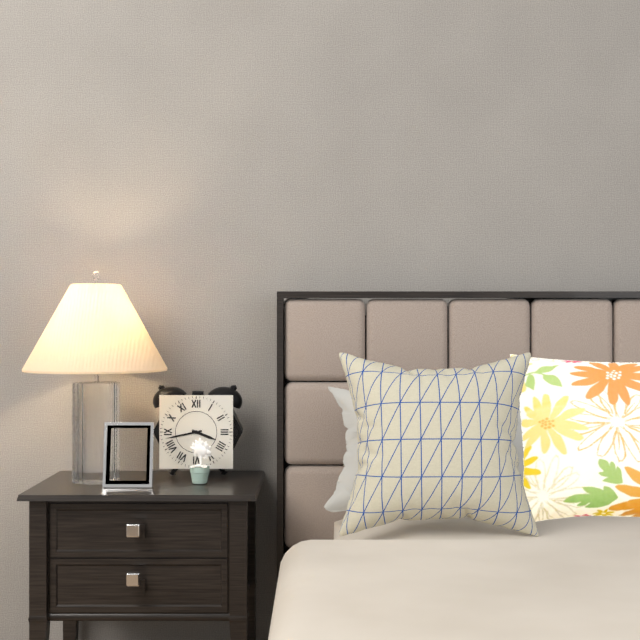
3:43
